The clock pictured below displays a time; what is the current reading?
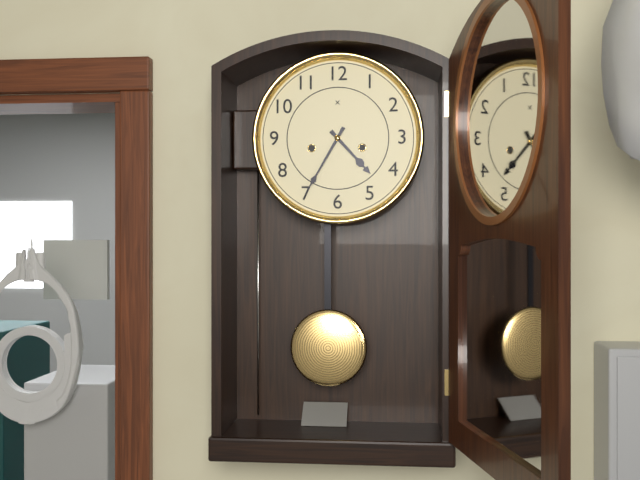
4:35
